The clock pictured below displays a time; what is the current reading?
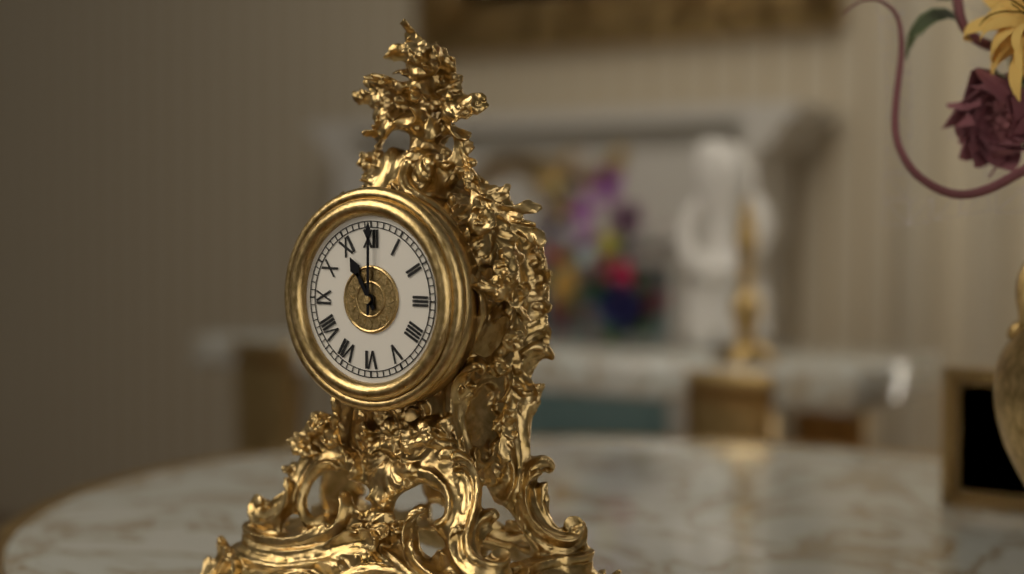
11:00
